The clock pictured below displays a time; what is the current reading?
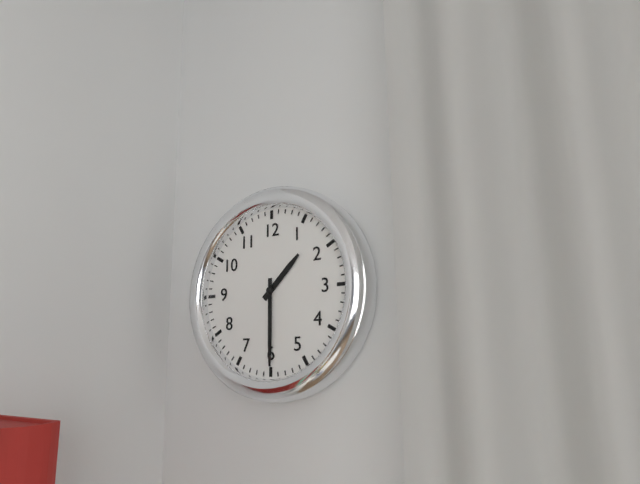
1:30
